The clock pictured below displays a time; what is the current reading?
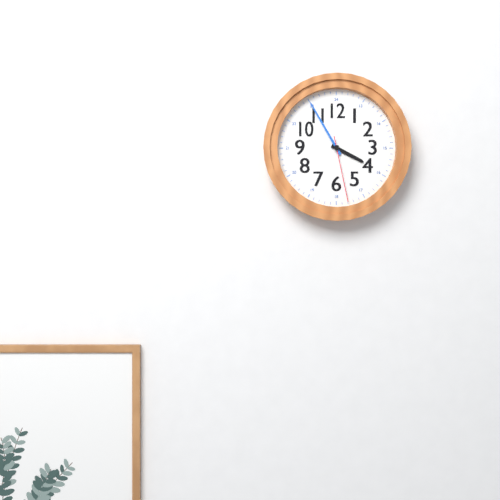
3:55:28
